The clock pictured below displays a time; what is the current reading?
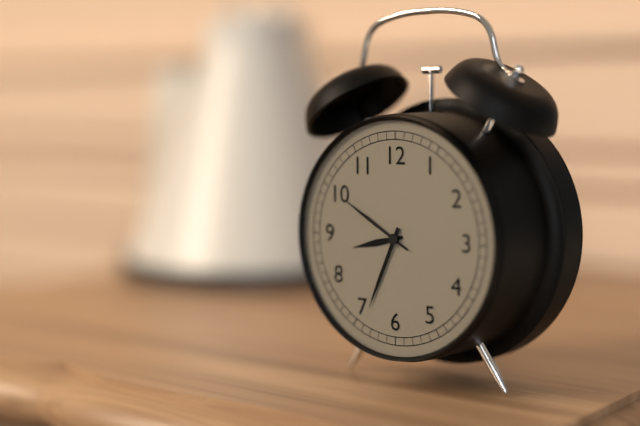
8:34:50
